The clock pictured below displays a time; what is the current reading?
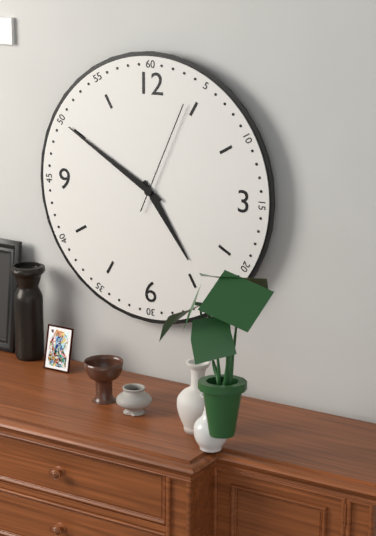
4:50:04
